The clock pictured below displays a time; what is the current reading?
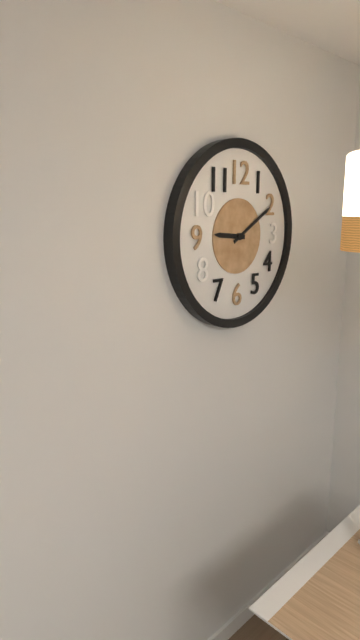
9:10
